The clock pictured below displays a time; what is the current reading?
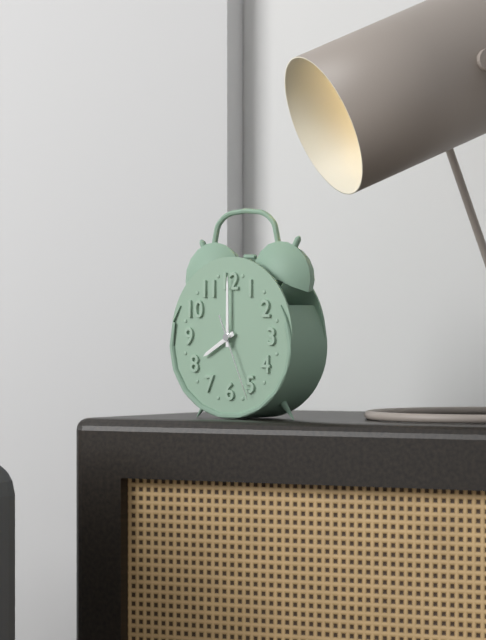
8:00:26
